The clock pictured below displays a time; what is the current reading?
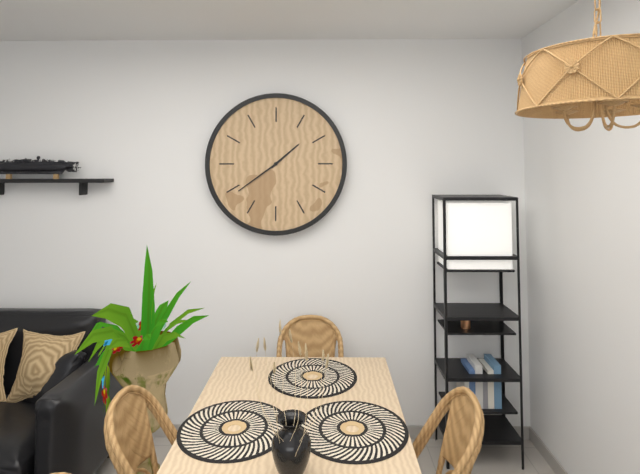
1:39
